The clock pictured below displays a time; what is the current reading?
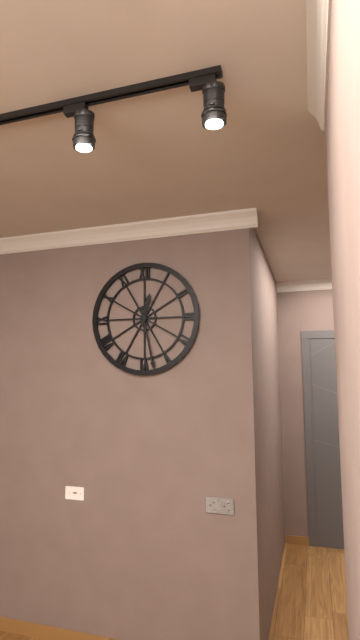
12:28
